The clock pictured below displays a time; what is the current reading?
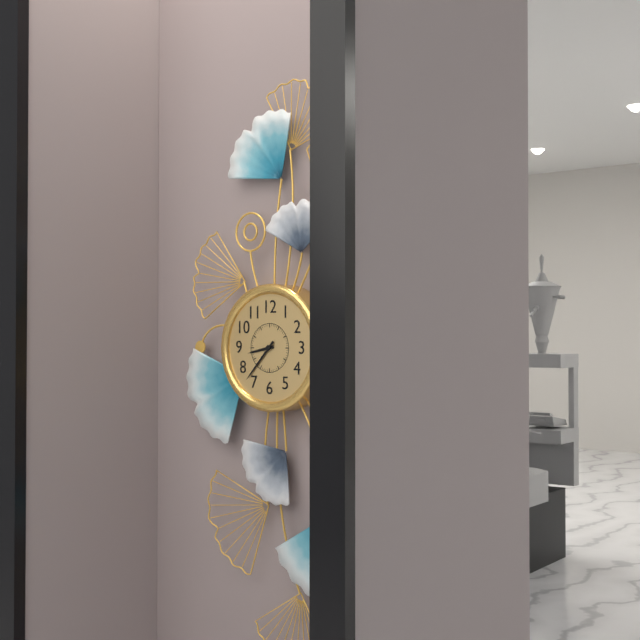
8:37
